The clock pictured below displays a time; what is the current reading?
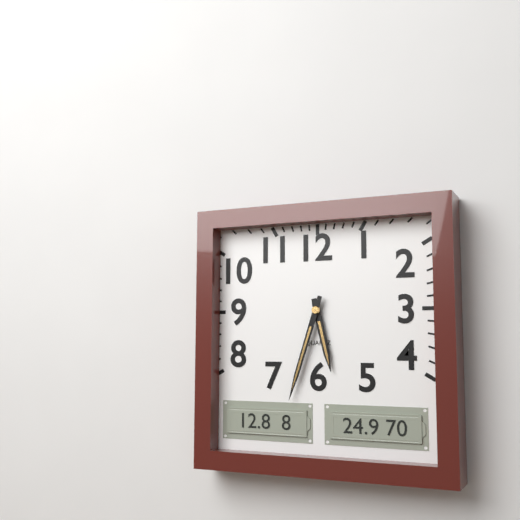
5:33
